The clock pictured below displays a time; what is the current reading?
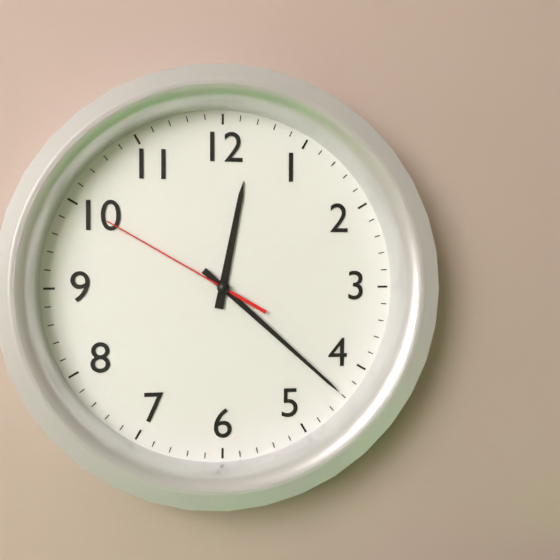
12:22:50
